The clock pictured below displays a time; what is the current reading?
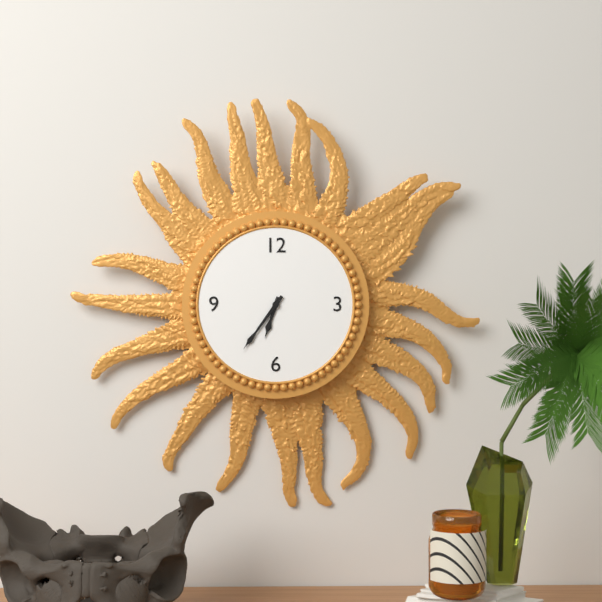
6:36
